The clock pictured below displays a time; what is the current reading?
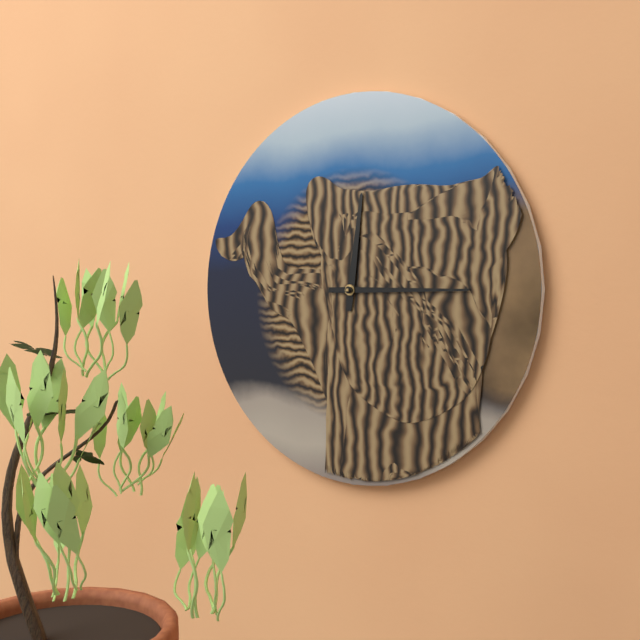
12:15
